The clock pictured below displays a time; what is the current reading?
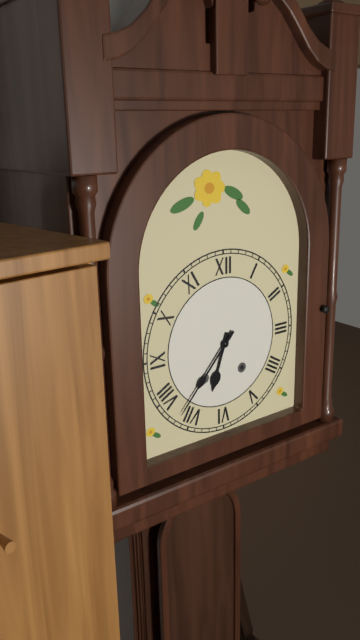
6:37
